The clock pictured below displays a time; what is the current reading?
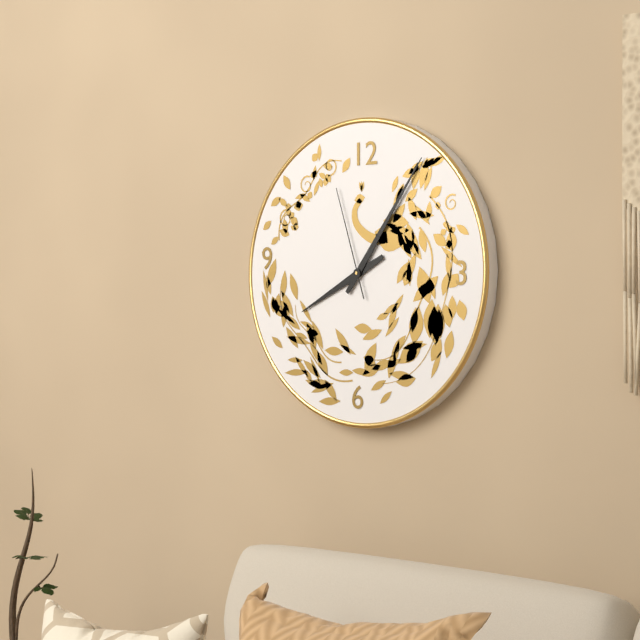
8:06:57
